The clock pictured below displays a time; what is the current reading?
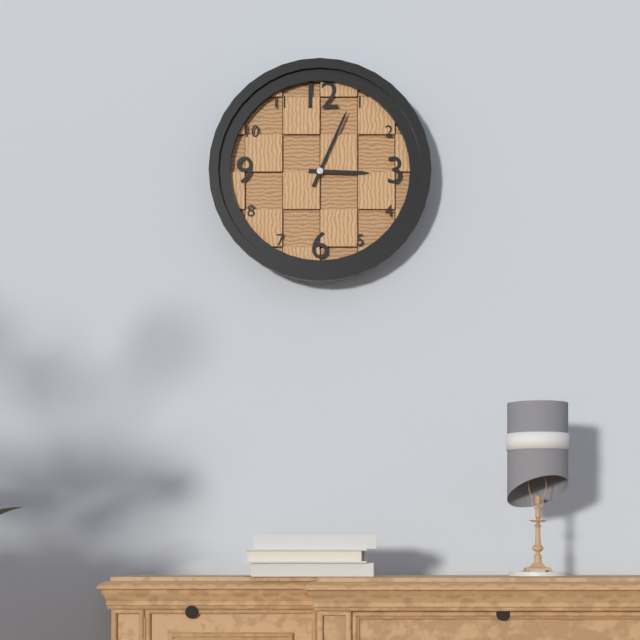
3:04
